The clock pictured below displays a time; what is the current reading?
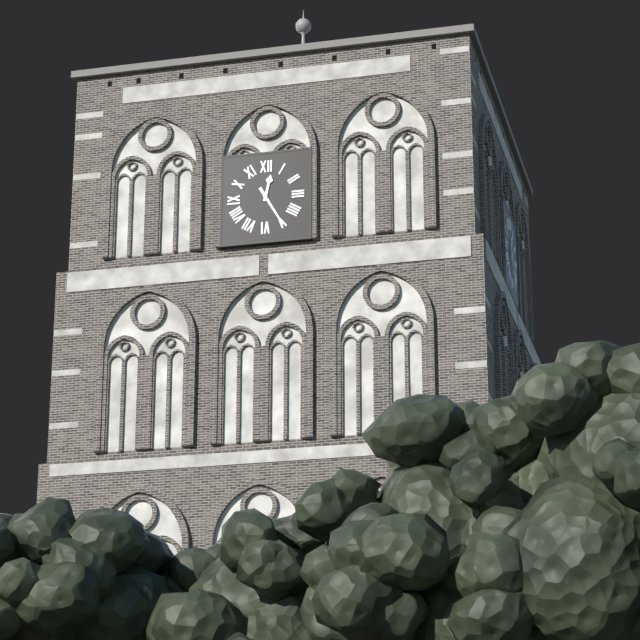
12:25
